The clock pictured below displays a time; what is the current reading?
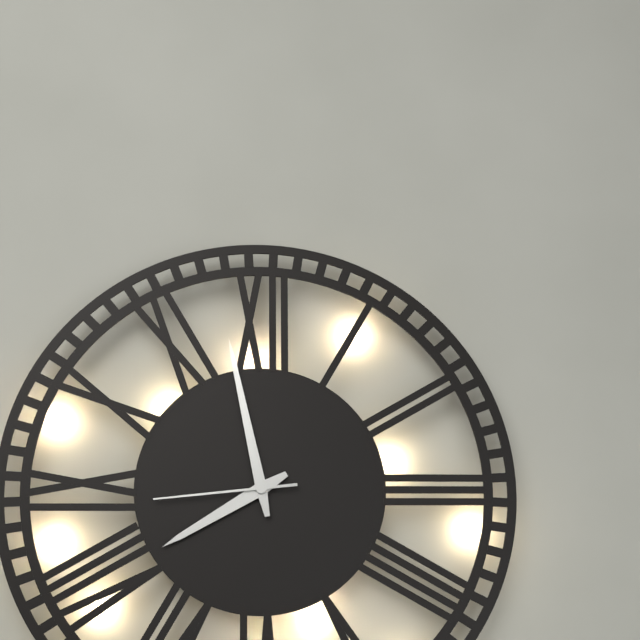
7:58:44
